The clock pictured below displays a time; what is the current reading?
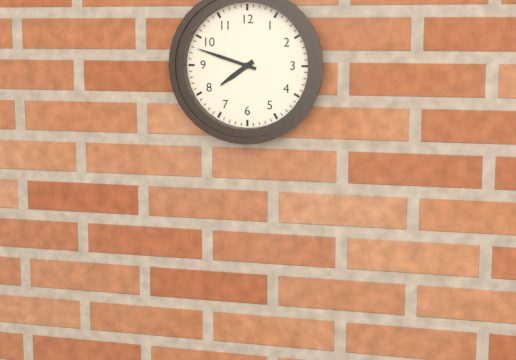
7:48
